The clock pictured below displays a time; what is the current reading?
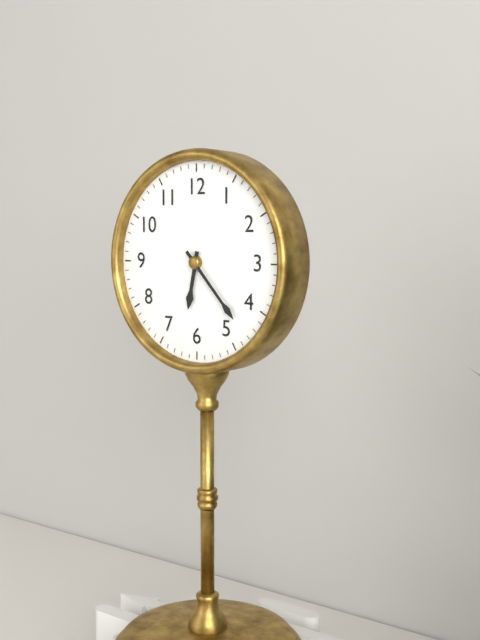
6:23
